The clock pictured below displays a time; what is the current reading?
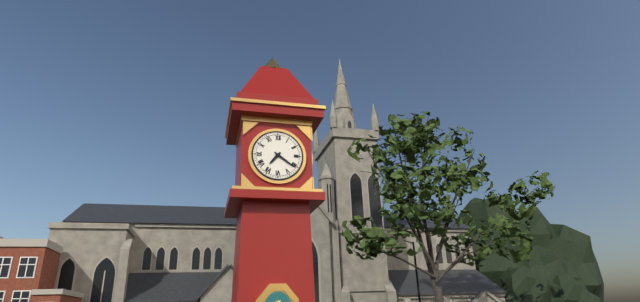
7:21
